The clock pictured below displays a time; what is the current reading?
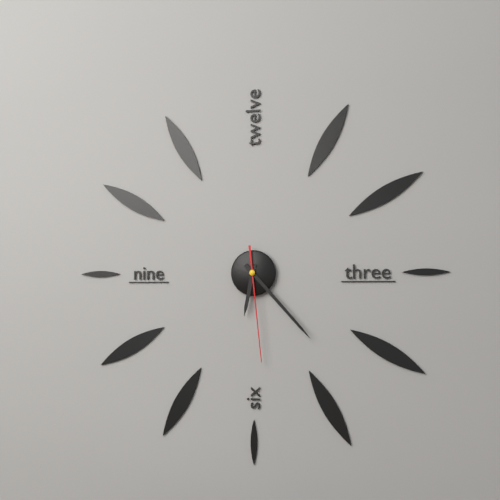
6:23:29
